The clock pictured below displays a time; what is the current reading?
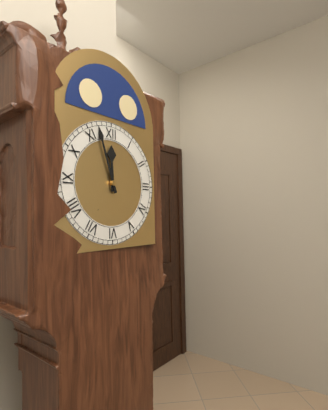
11:57
